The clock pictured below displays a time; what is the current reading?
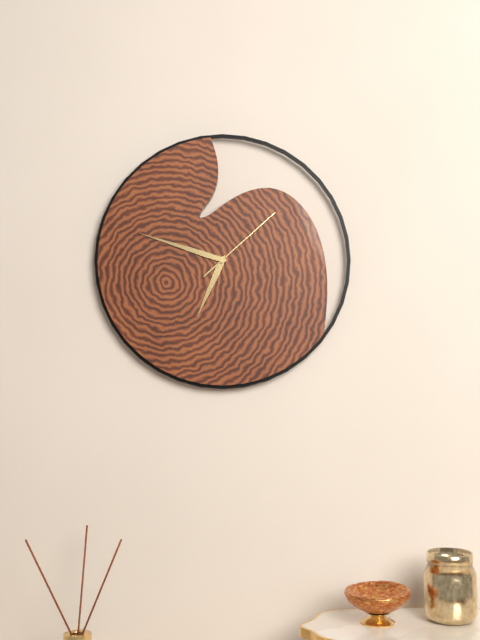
6:48:08
